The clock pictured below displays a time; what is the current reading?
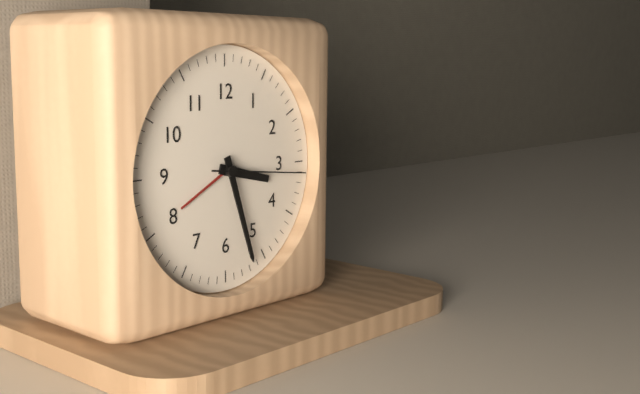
3:27:16
